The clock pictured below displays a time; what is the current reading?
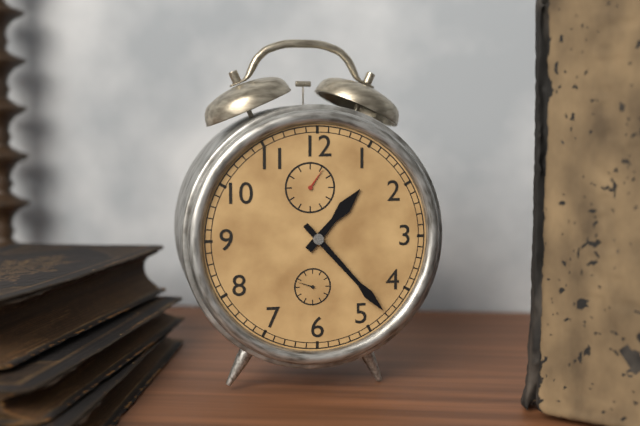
1:23
